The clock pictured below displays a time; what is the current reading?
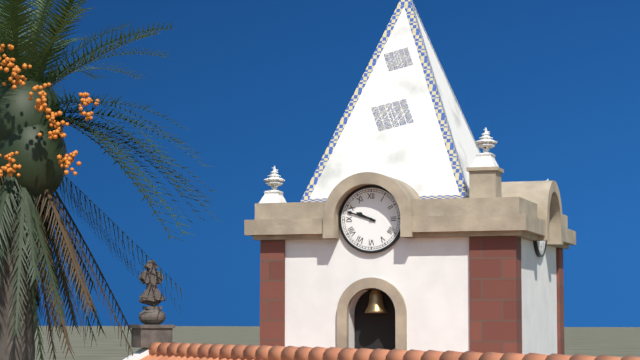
9:48
